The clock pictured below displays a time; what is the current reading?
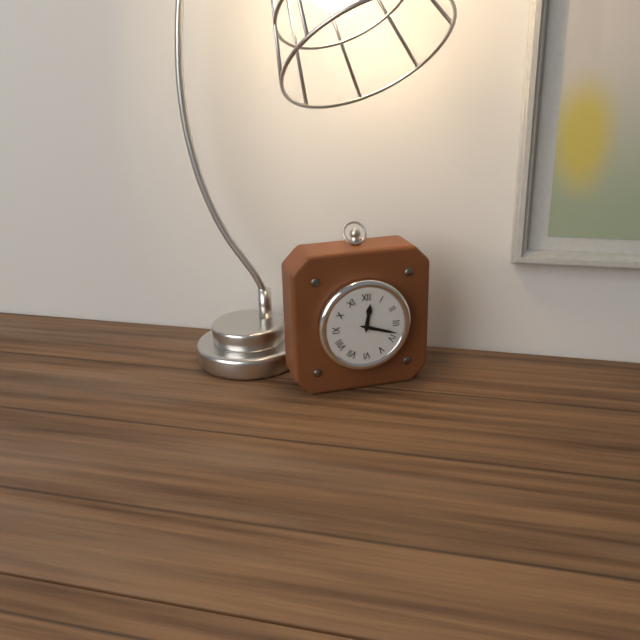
12:18
